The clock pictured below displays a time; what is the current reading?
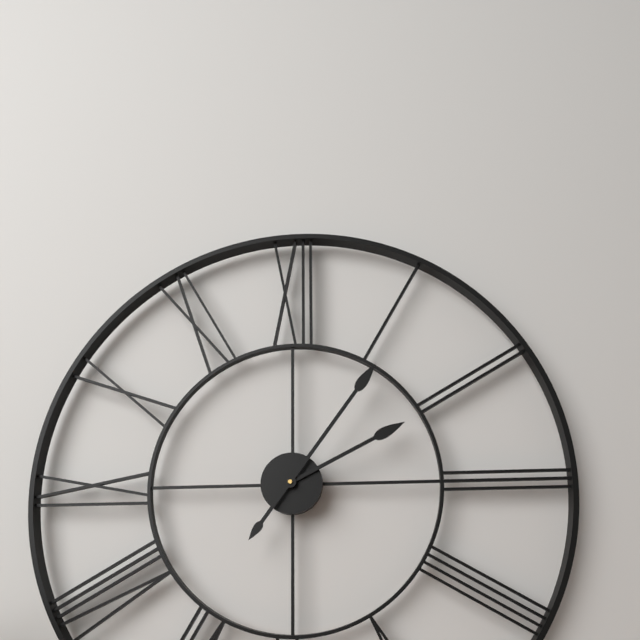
2:06
